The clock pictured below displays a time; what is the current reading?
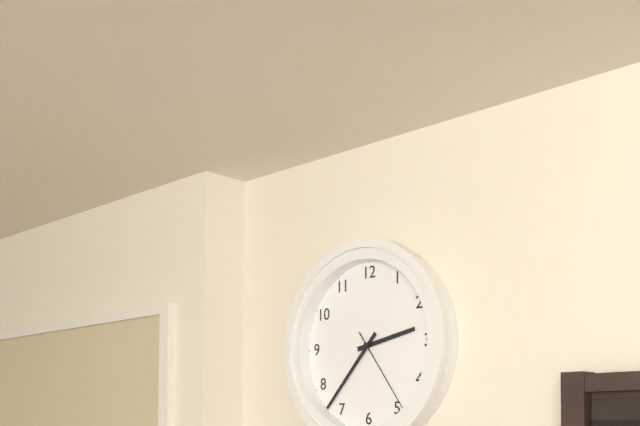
2:37:24
